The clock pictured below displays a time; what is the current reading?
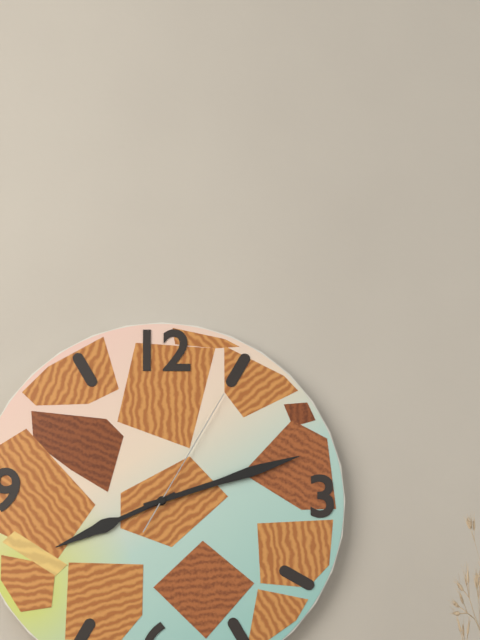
8:12:05
